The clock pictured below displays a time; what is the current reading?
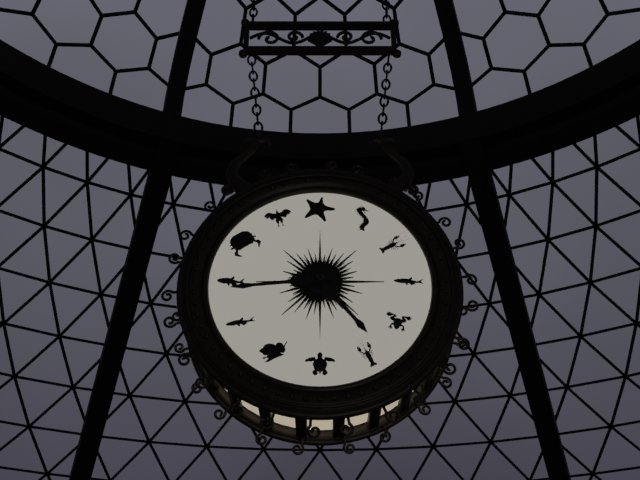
4:44
